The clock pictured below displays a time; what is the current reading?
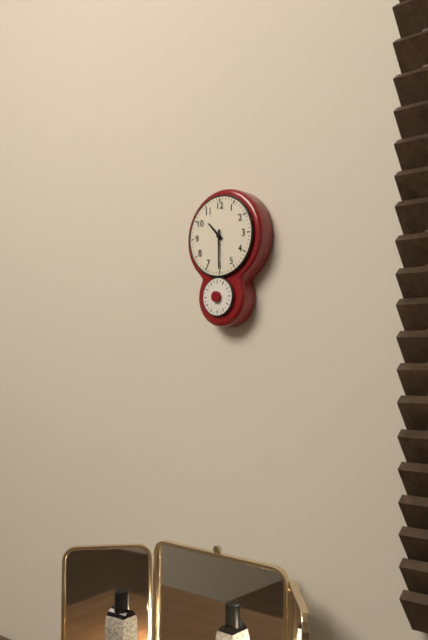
10:30
